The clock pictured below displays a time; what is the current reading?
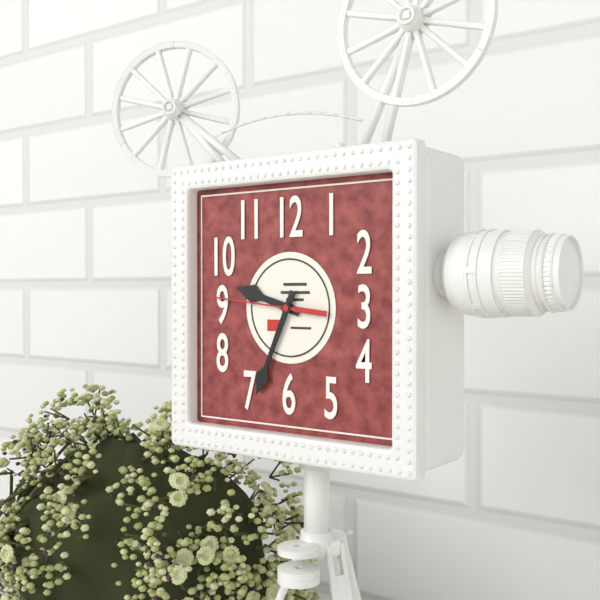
9:34:46
